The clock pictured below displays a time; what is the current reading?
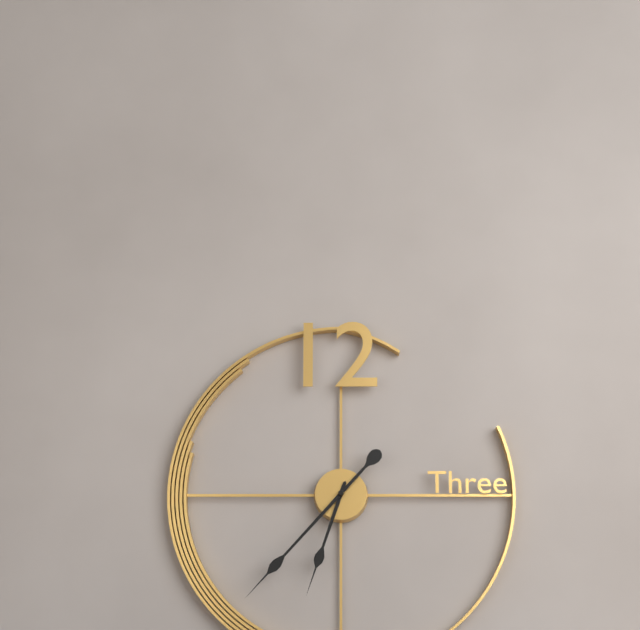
6:37
